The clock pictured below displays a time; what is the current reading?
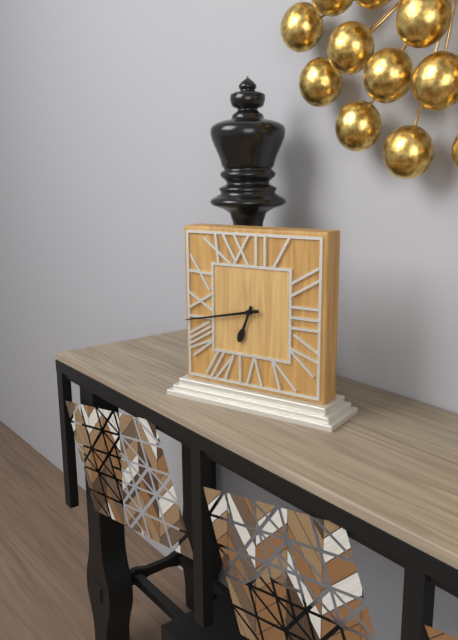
6:43
